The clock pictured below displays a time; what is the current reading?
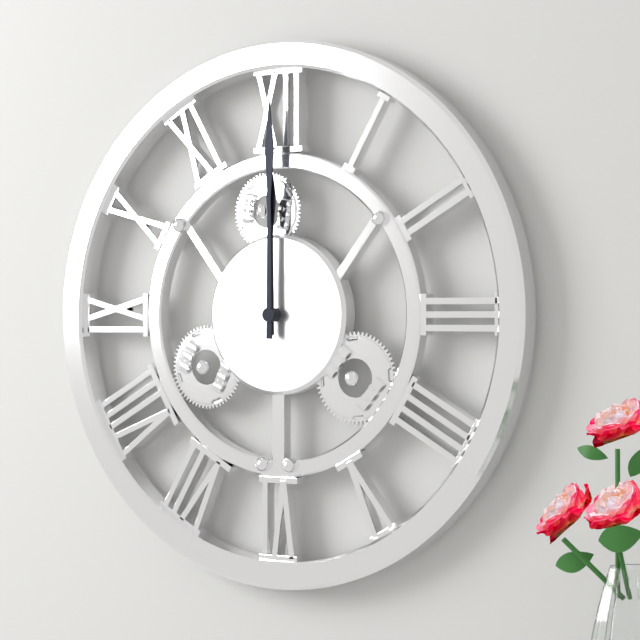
12:00
